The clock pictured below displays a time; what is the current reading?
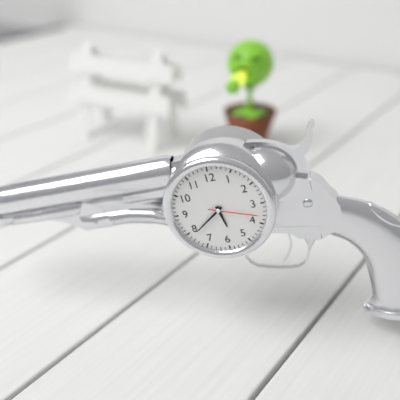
5:39:18
